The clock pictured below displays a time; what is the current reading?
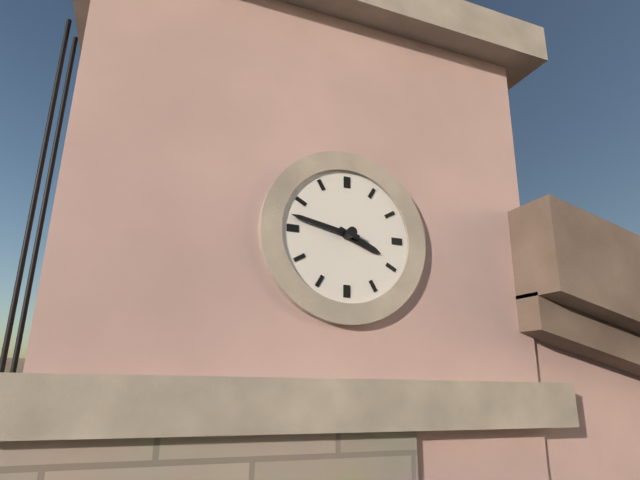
3:47
